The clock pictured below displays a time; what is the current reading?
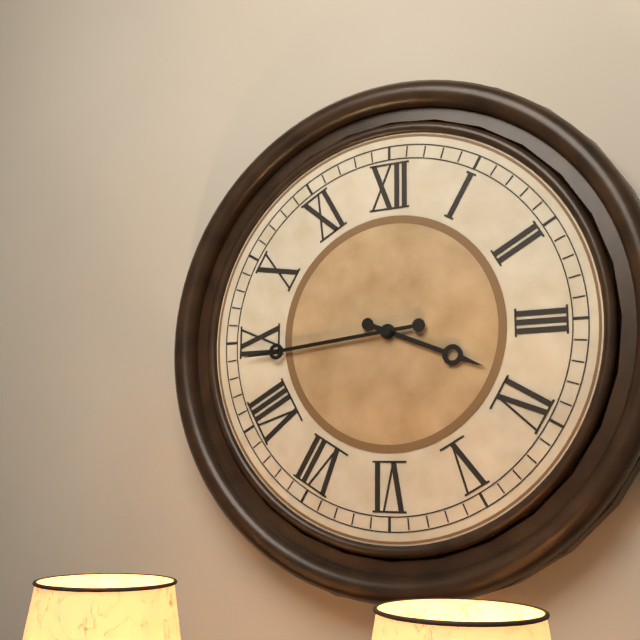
3:44
